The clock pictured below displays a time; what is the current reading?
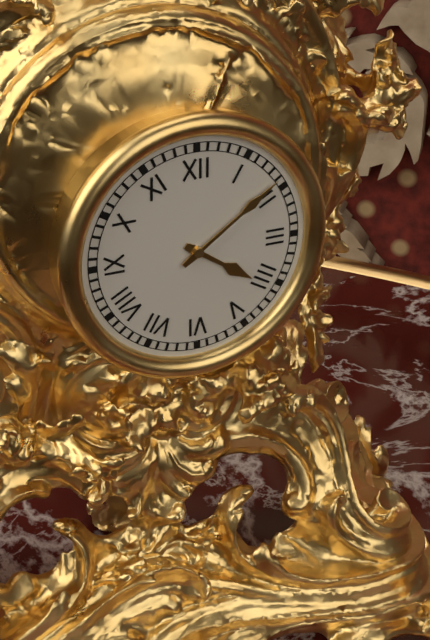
4:09
